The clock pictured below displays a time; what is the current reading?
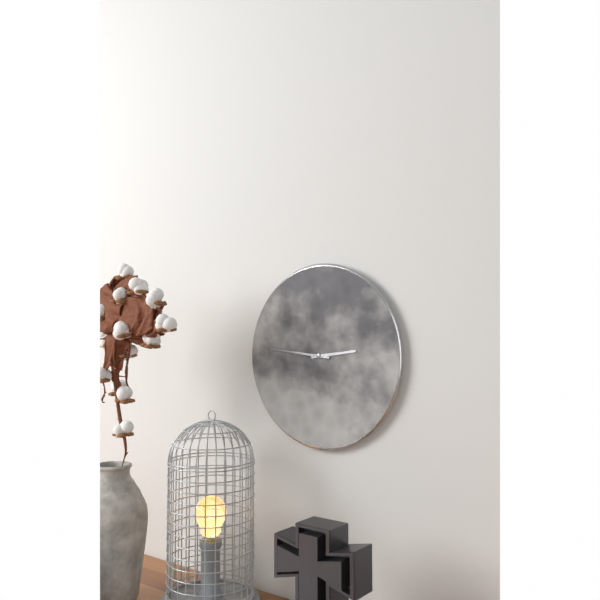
2:46
